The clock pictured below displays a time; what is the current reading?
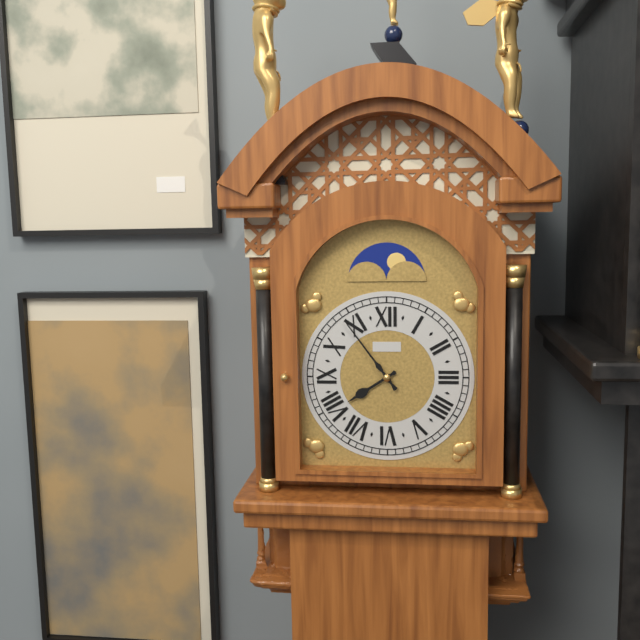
7:54
